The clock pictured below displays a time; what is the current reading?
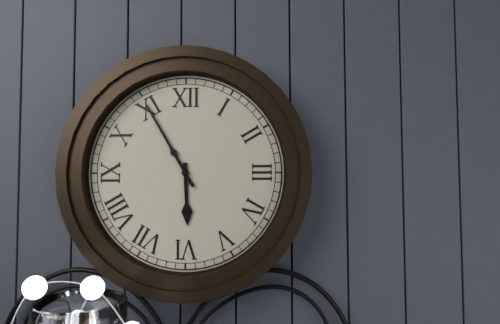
5:55
